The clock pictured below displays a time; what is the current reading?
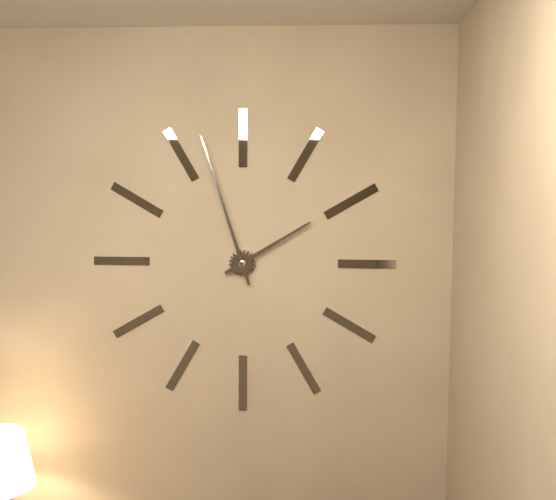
1:57
